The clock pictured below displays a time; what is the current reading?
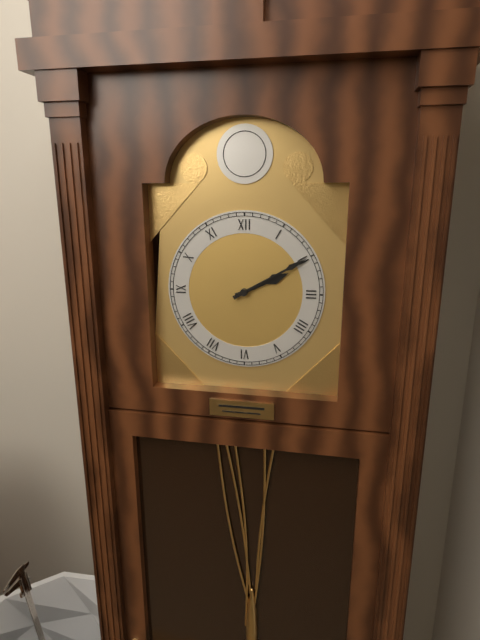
2:10
